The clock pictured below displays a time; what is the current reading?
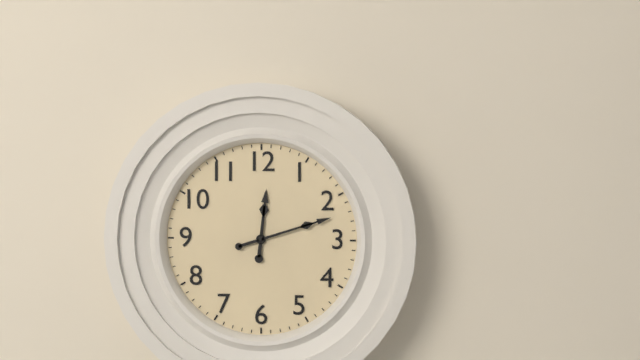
12:12
